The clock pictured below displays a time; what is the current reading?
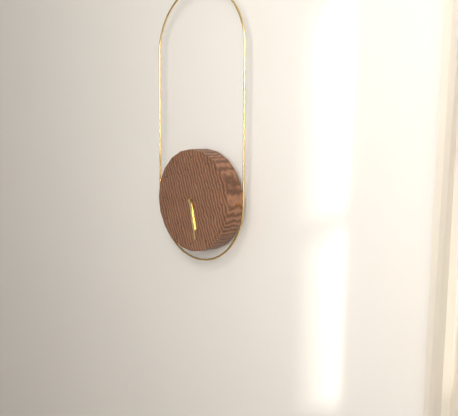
5:28
